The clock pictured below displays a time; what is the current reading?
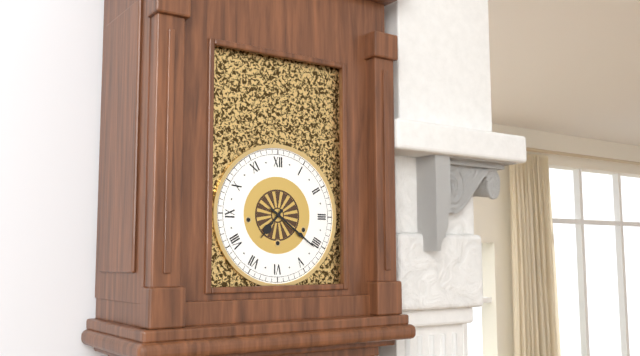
7:21
